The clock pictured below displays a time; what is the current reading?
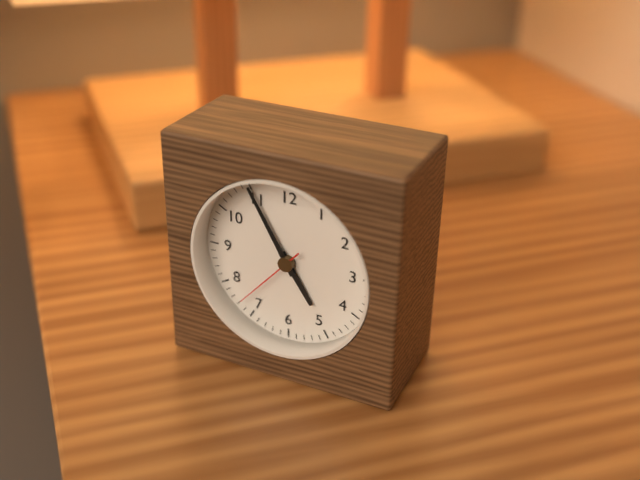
4:55:37
